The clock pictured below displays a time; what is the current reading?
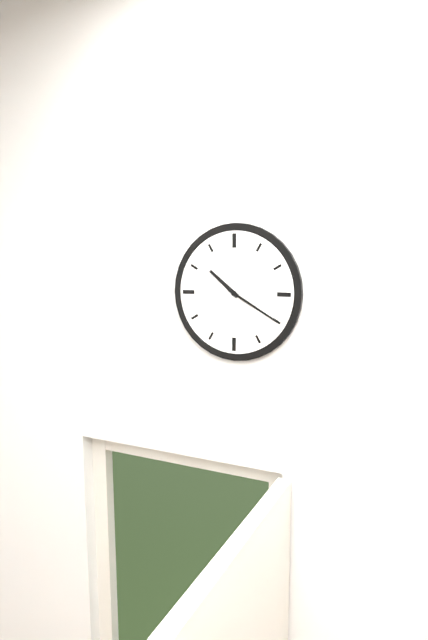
10:20
